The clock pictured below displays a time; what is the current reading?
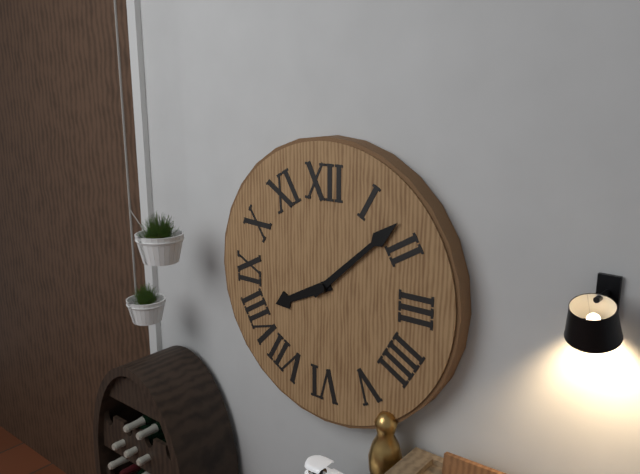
8:08
